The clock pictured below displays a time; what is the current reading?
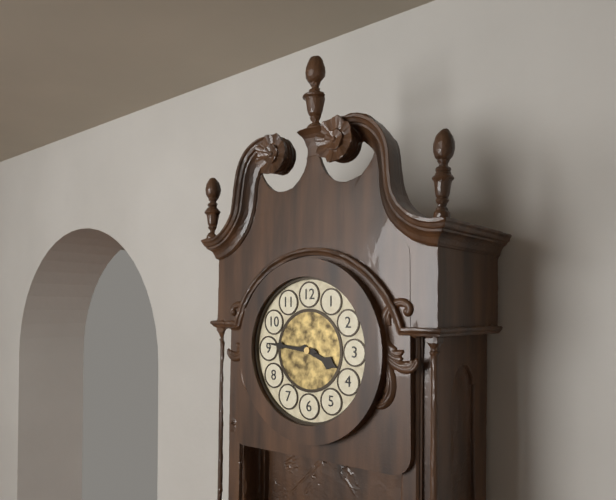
3:46
